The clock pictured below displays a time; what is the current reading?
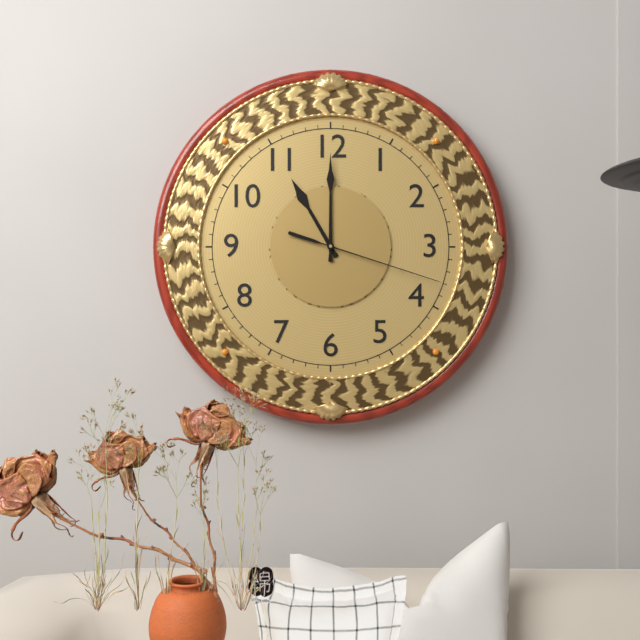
11:00:18
